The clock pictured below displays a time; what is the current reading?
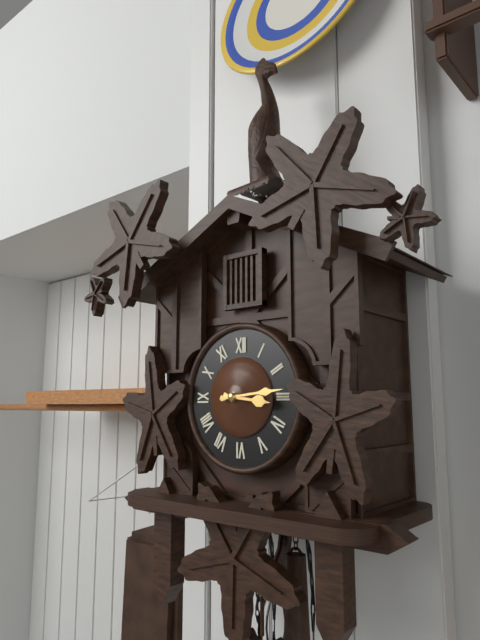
3:14
